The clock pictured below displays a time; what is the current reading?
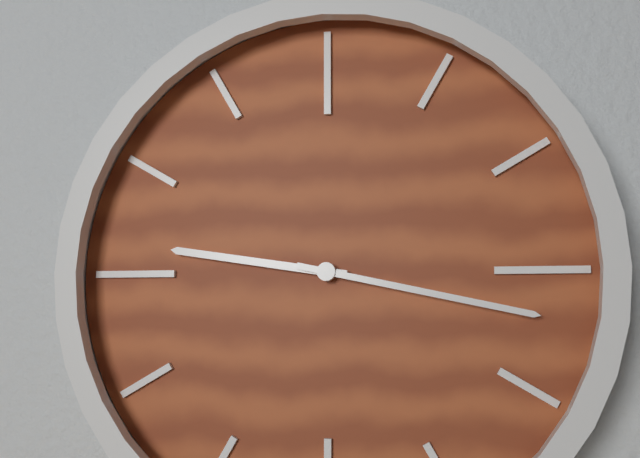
9:17
